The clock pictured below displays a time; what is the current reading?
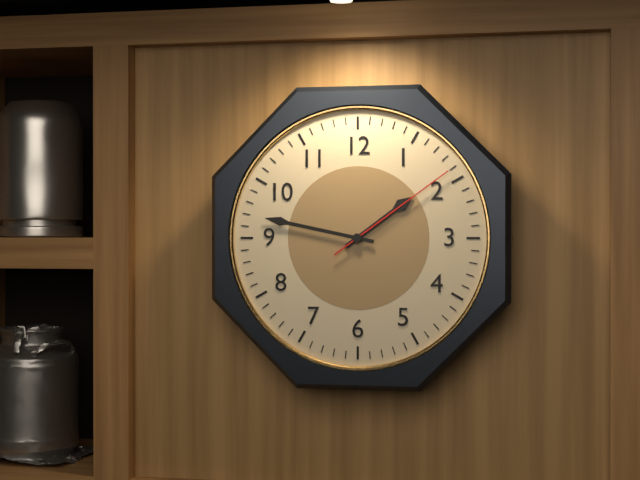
1:47:09
